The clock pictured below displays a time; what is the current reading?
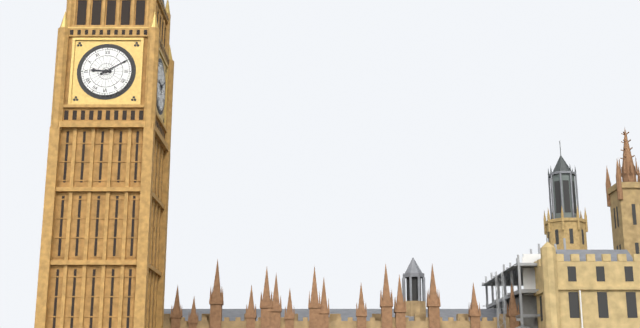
9:10
